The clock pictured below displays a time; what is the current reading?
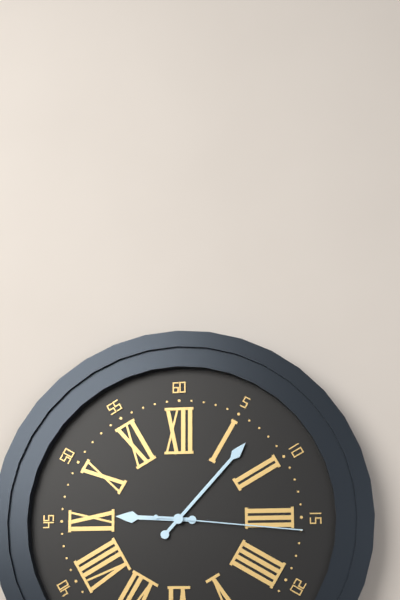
9:07:16
